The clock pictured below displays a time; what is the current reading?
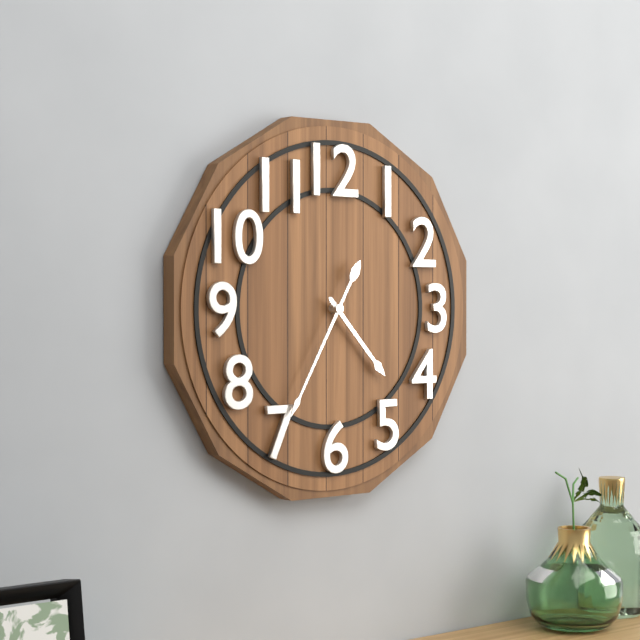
4:35
